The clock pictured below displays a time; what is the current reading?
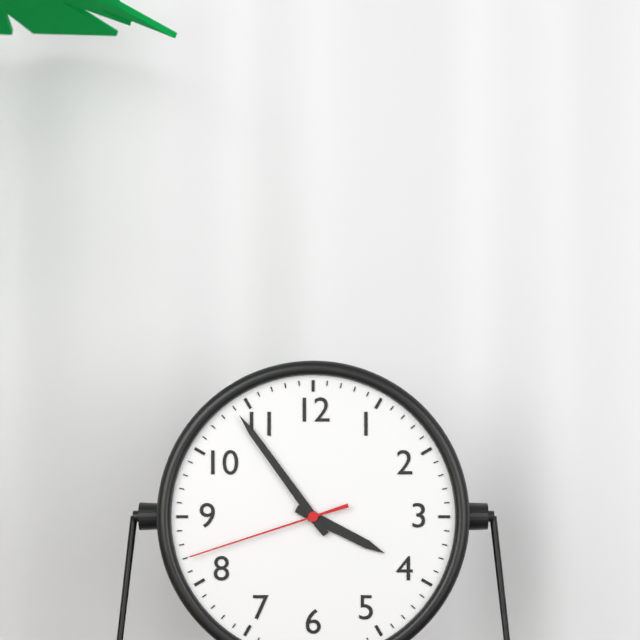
3:54:42
